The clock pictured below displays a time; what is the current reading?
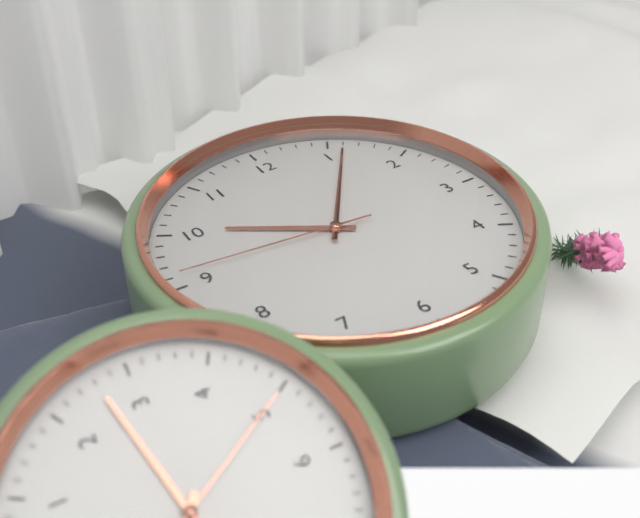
10:06:46
